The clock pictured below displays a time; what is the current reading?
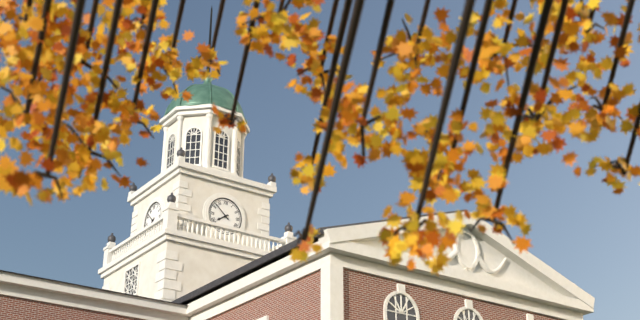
7:52
